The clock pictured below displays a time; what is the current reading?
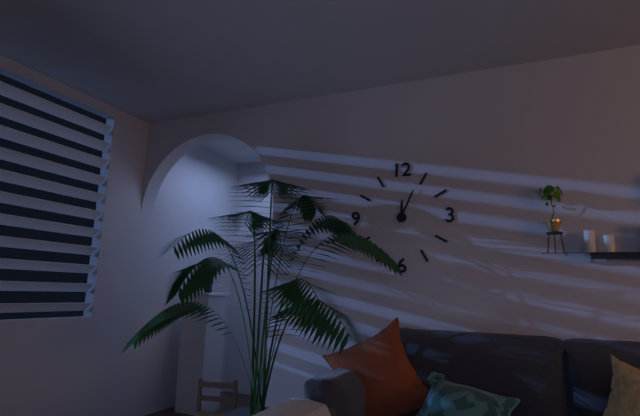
12:04
